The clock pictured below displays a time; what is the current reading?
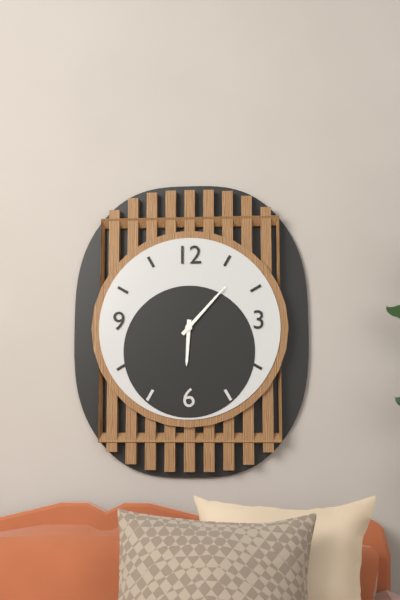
6:07
